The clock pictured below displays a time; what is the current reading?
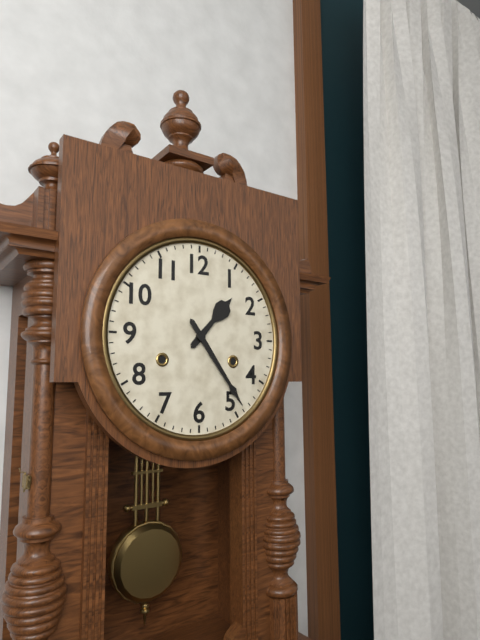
1:24
